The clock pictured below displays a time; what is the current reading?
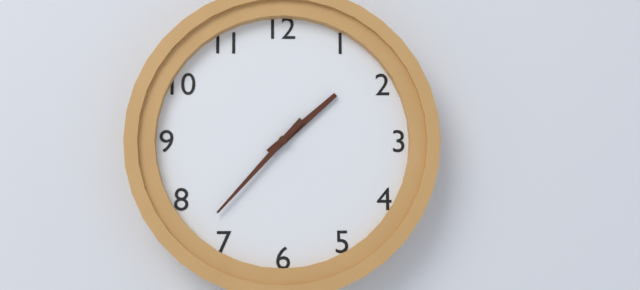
1:37
